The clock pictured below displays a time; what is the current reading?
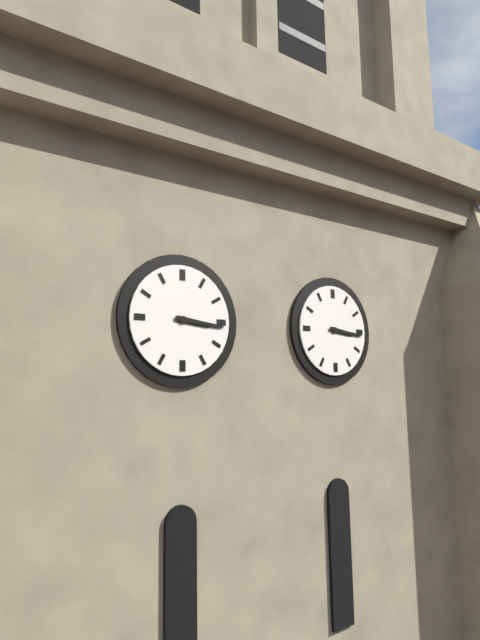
3:16
